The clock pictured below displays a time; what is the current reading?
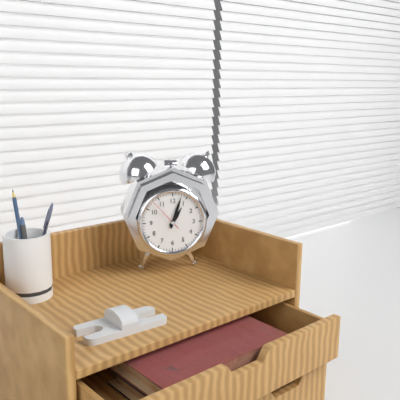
1:03
